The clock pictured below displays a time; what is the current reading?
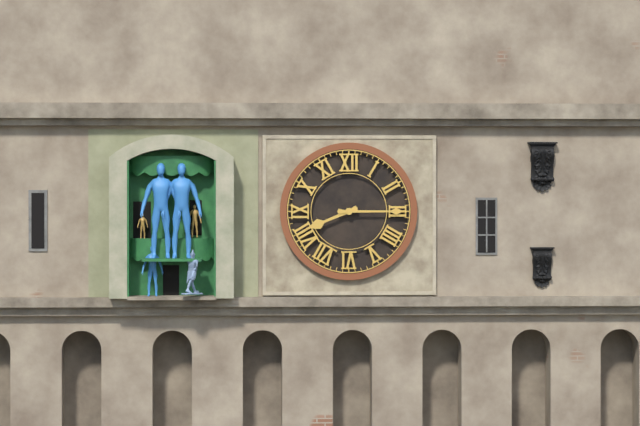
8:15
